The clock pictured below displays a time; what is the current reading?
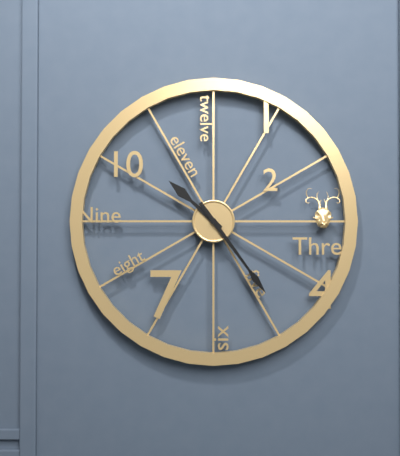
10:24
